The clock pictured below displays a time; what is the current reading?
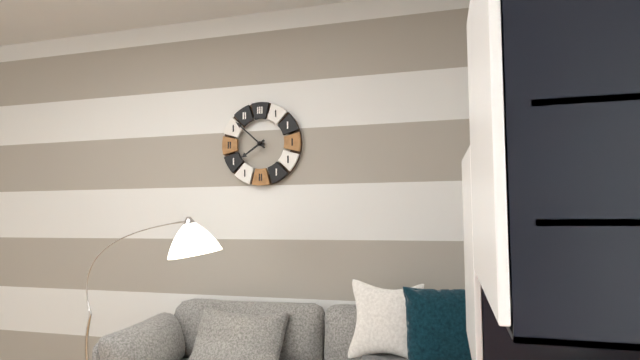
7:52
